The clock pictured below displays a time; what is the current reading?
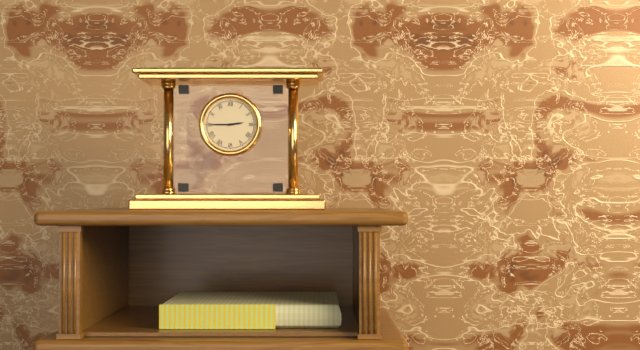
2:45
